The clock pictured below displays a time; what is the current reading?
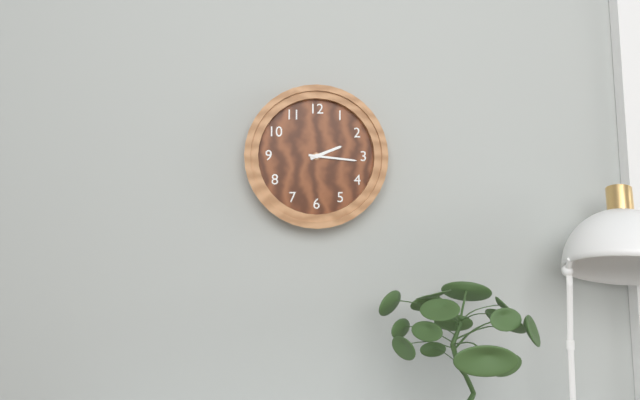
2:16
